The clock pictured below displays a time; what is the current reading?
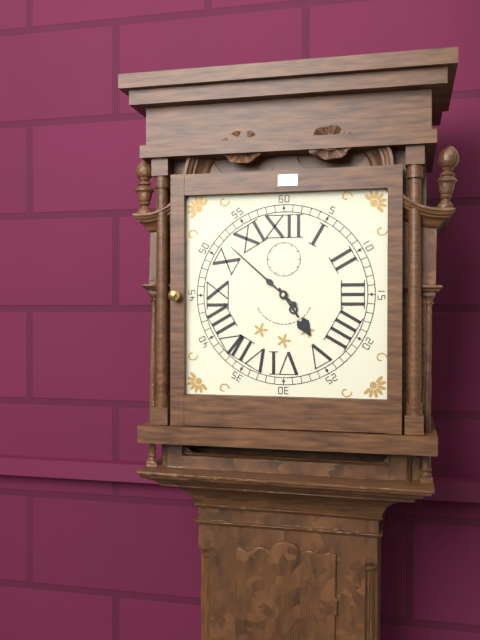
4:52
